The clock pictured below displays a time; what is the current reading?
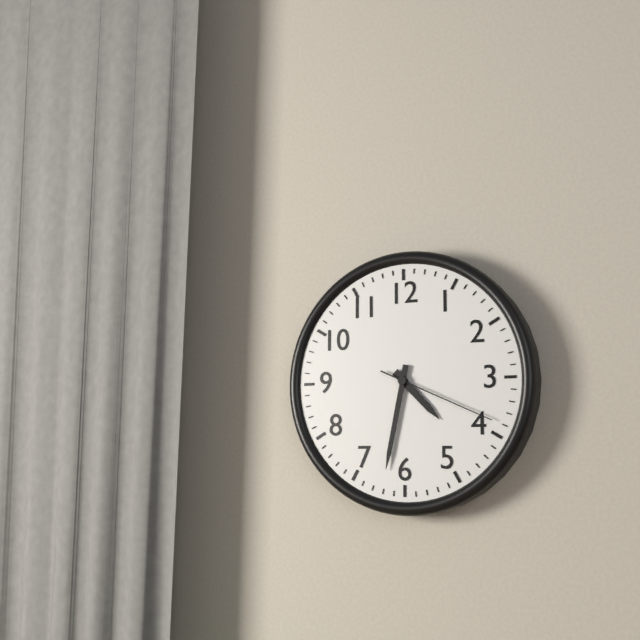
4:32:19
